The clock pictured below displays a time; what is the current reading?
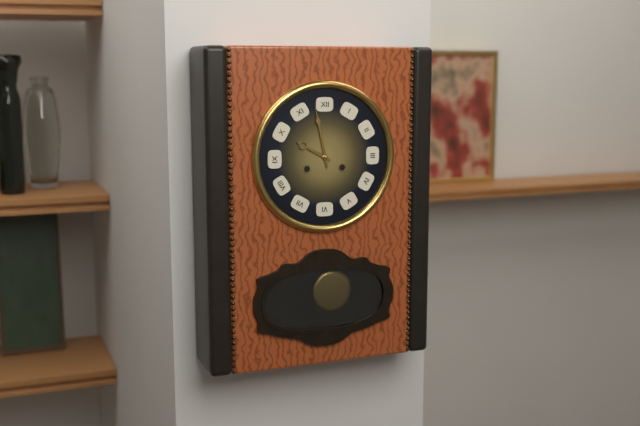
9:58
